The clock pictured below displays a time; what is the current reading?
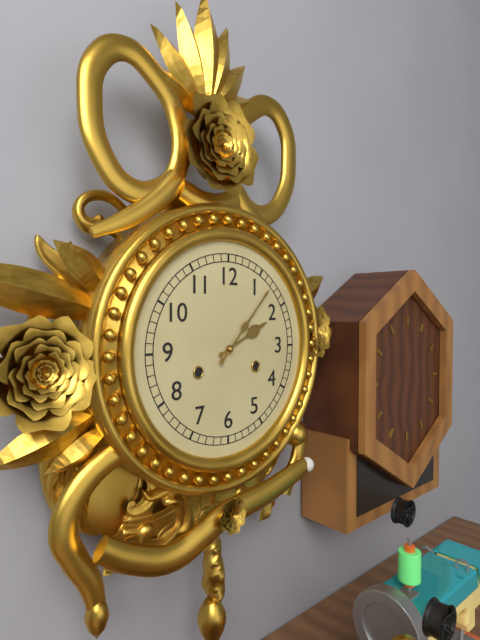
2:07
